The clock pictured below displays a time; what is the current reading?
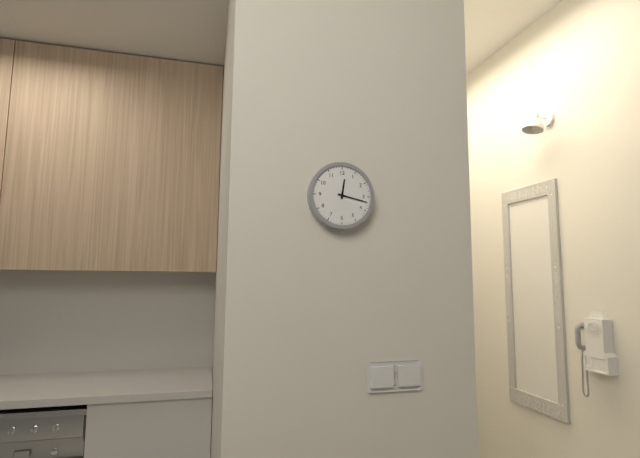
12:17
